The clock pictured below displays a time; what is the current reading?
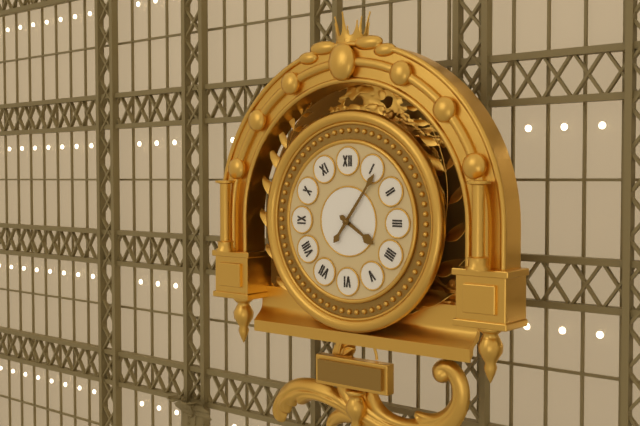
4:06
